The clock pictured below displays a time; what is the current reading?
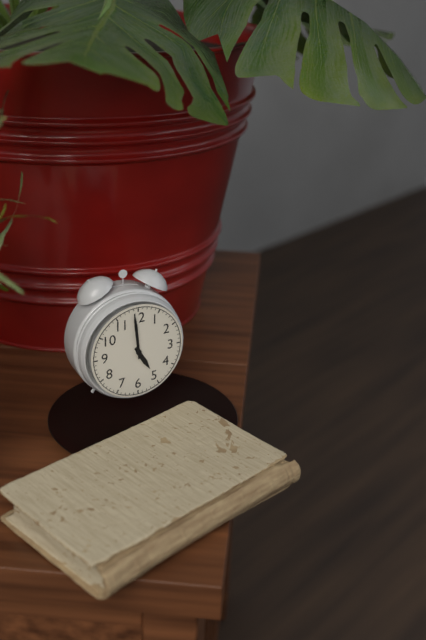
4:59
